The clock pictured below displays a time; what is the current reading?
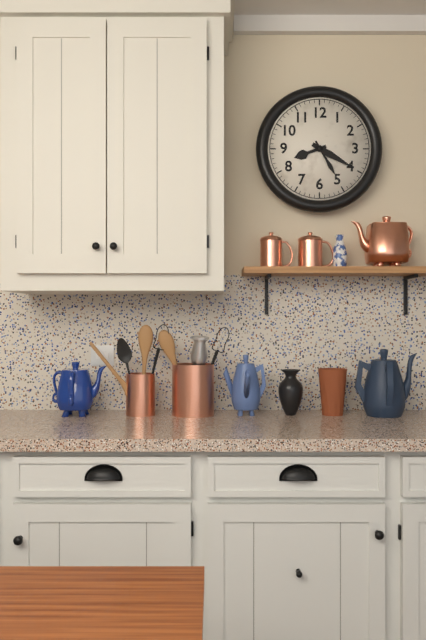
8:20
